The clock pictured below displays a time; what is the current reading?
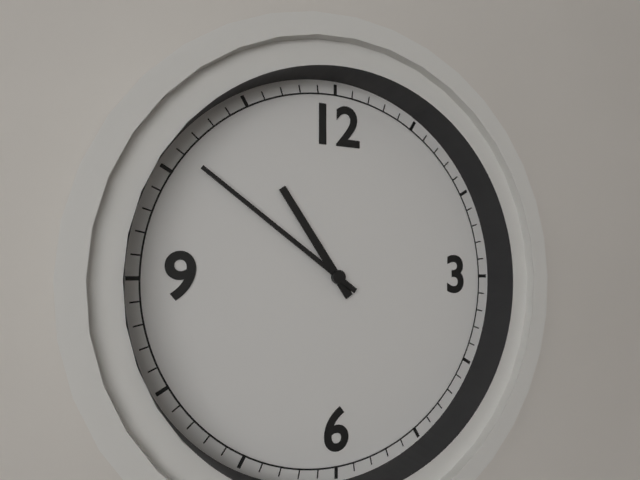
10:51
